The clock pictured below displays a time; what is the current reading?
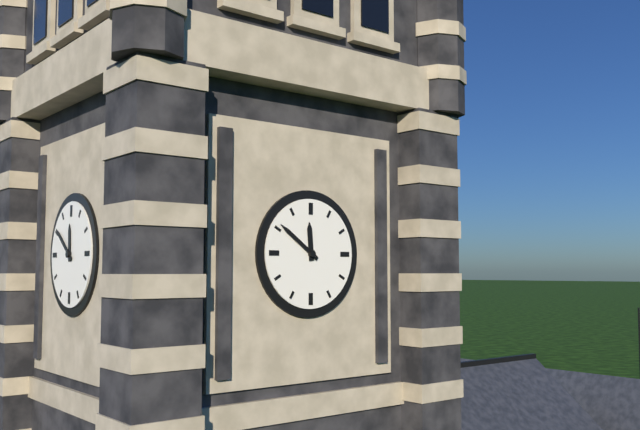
11:51
